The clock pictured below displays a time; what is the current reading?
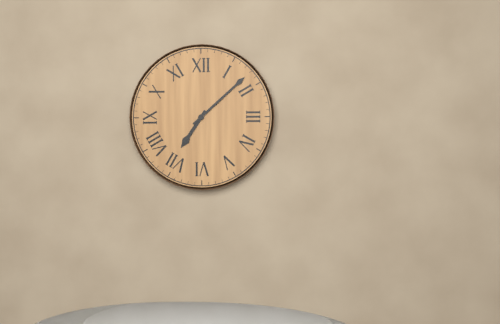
7:08
